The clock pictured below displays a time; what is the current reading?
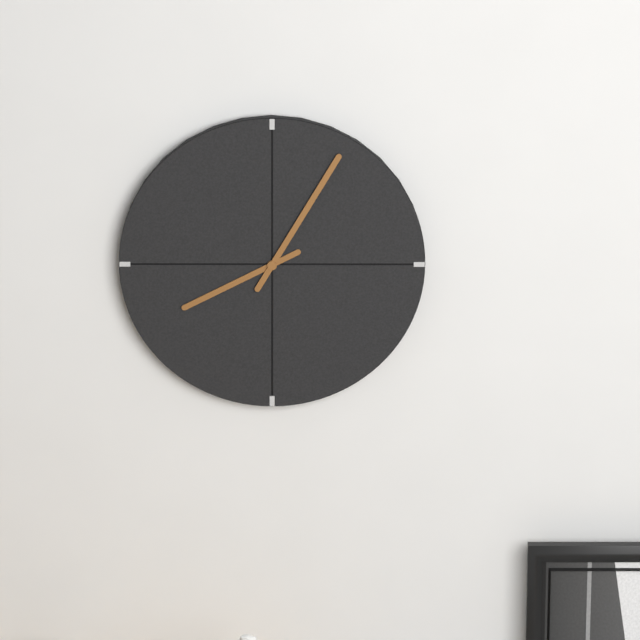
8:05
